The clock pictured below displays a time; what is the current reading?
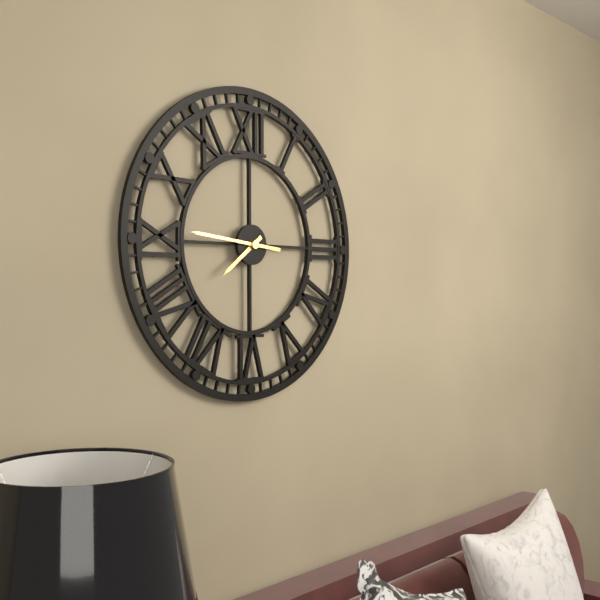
7:46
